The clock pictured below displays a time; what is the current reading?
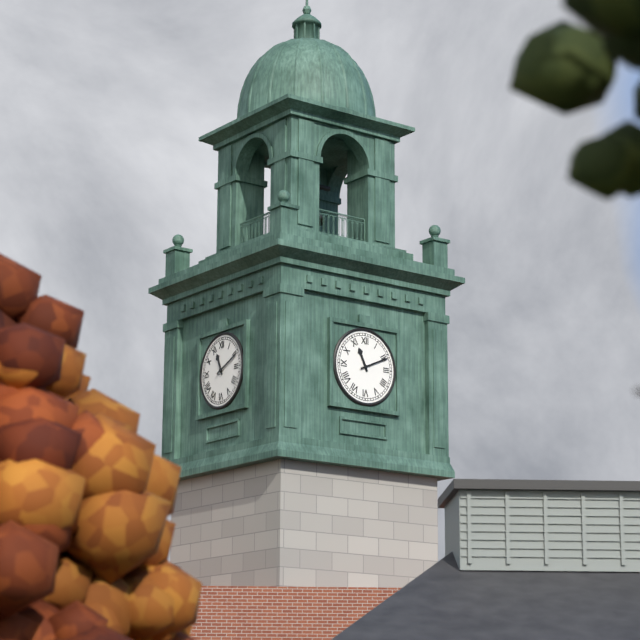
11:11
